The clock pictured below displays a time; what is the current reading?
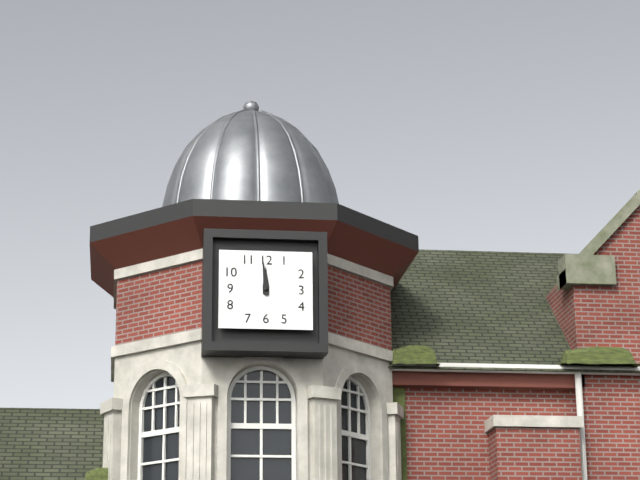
11:59
